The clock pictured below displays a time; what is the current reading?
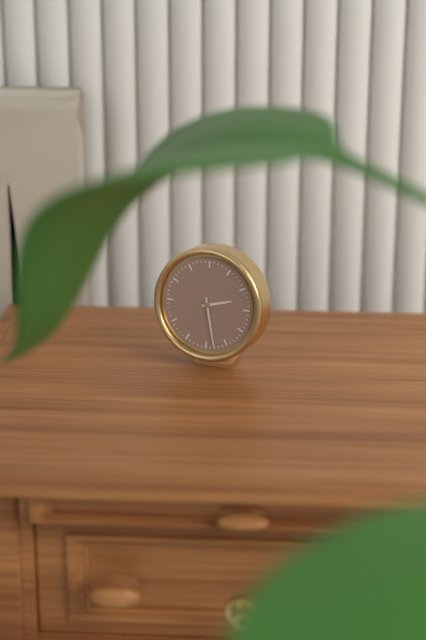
2:28
